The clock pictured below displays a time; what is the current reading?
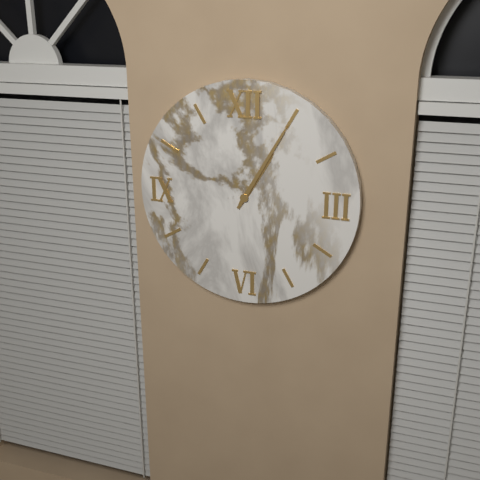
1:05
